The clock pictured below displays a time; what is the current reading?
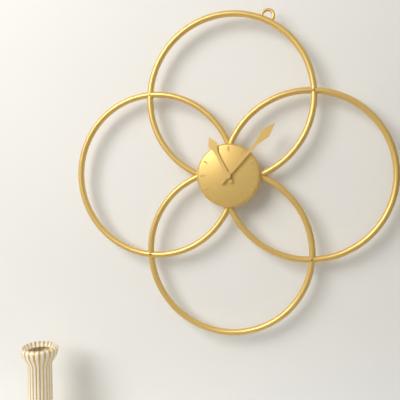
11:07
